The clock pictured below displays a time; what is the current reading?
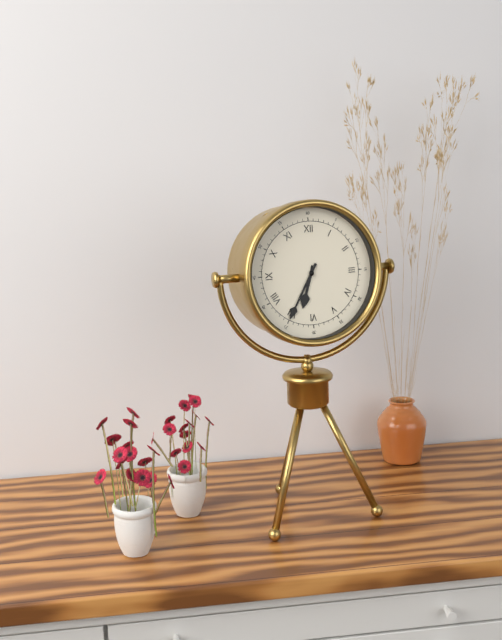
6:35
